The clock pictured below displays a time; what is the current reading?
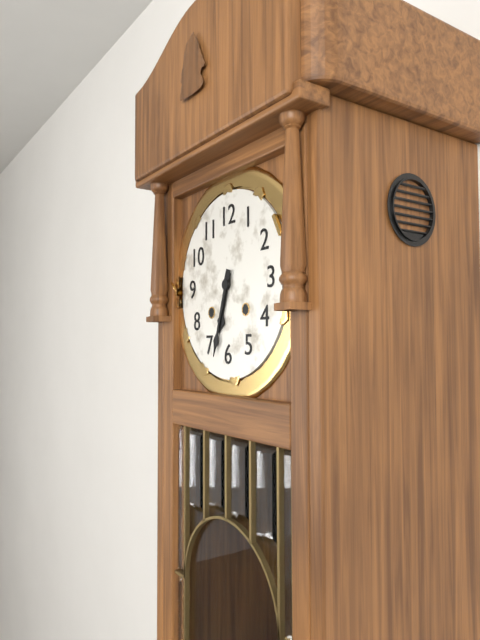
6:33
